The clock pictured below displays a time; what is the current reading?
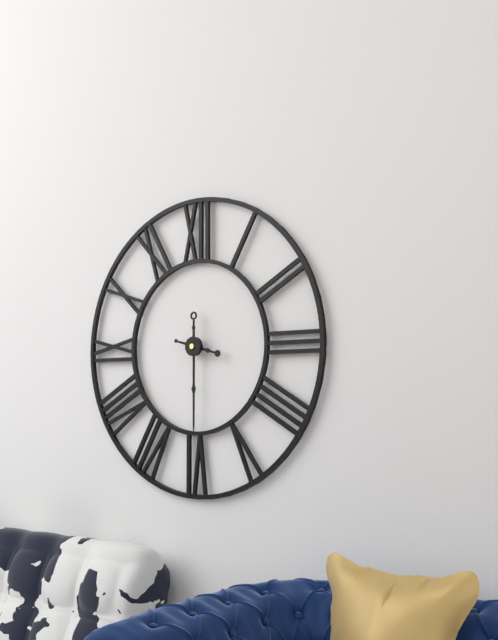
3:30
